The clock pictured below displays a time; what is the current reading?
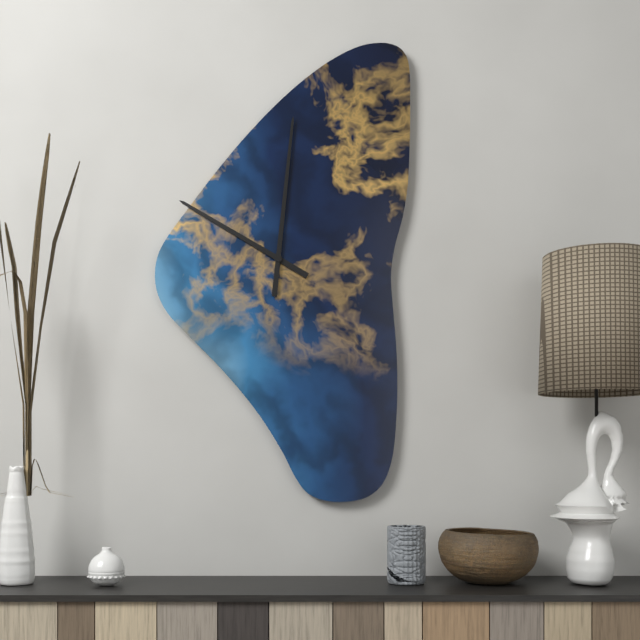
10:01
